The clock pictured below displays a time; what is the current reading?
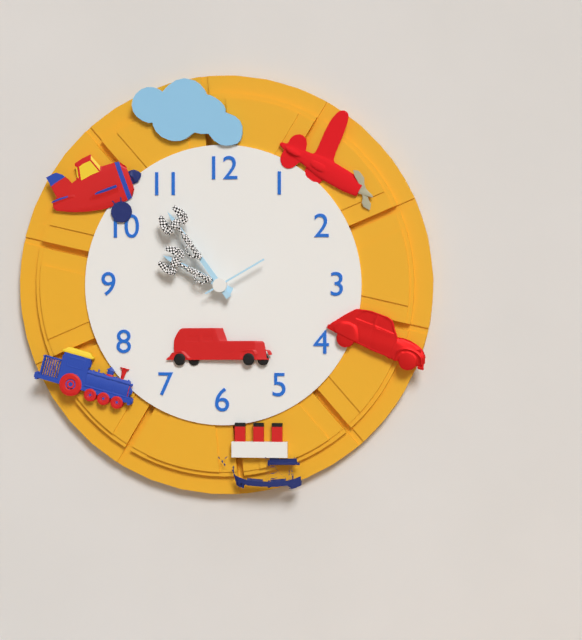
9:54:10
